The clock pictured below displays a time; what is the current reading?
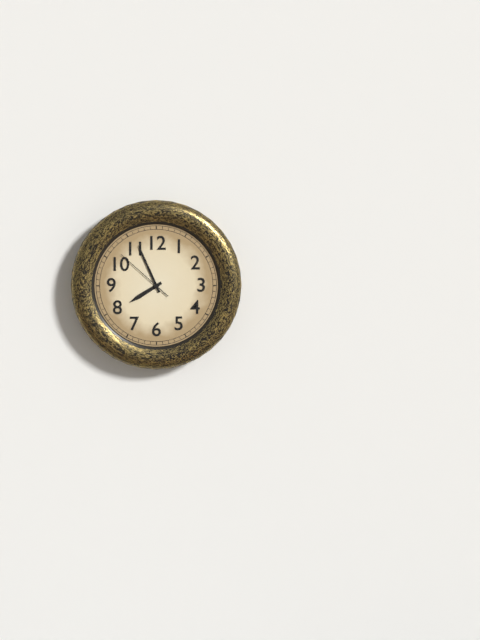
7:56:52
